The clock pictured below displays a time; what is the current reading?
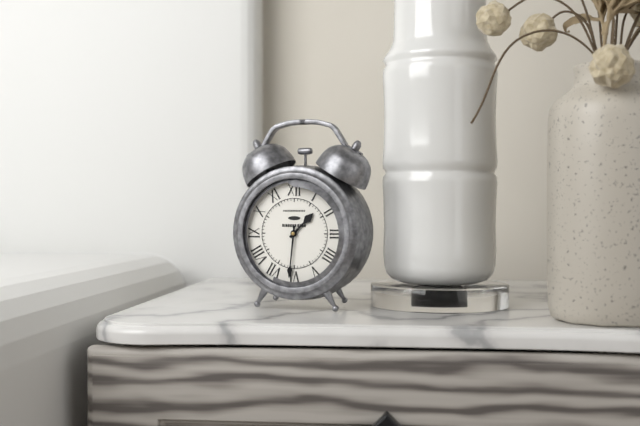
1:31
